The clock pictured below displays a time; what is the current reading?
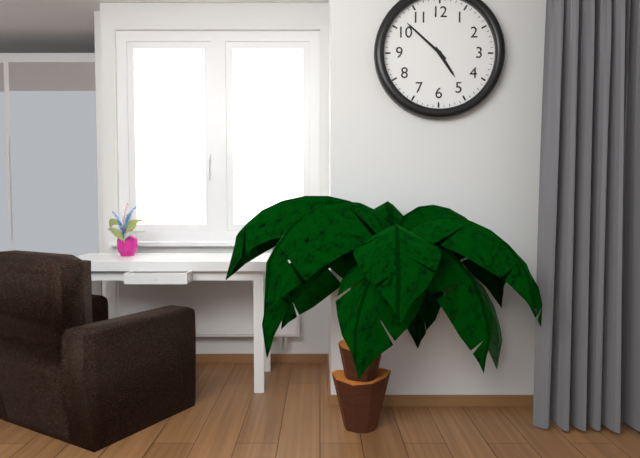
4:52
